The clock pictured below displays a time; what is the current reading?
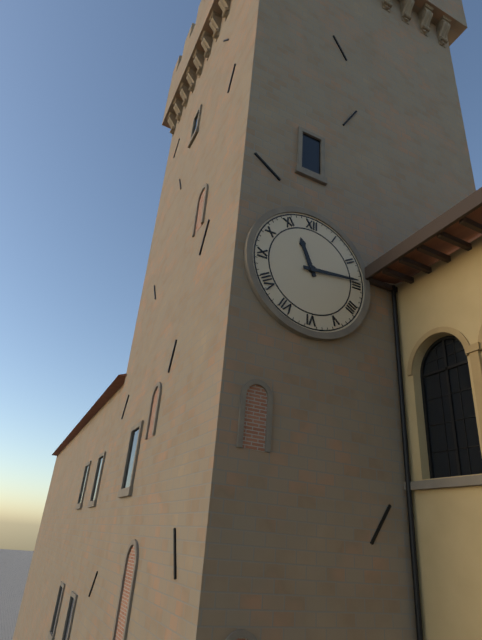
11:14
